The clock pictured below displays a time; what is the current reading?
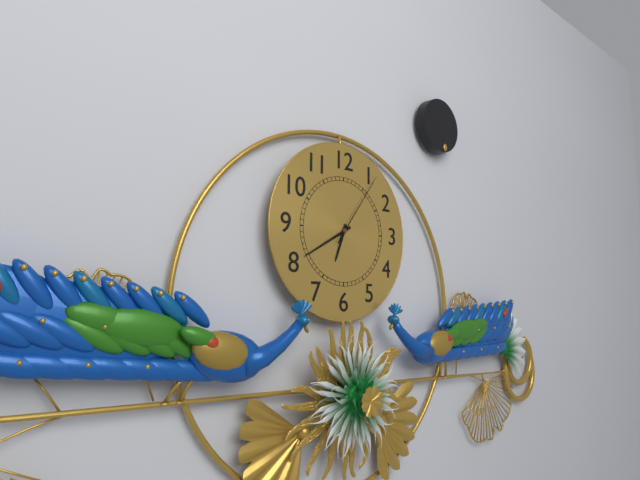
6:40:06
